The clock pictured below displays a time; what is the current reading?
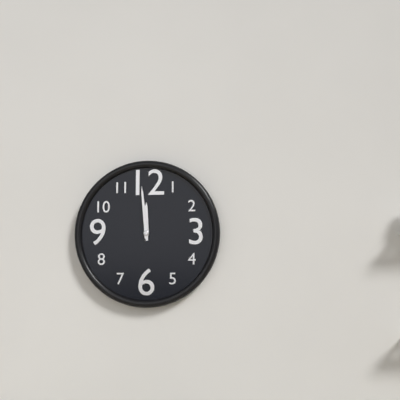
11:59
